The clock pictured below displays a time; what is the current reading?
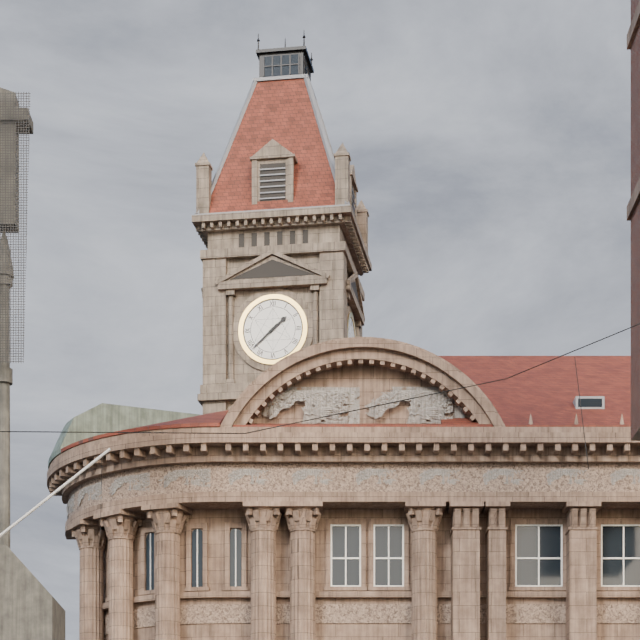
1:38
